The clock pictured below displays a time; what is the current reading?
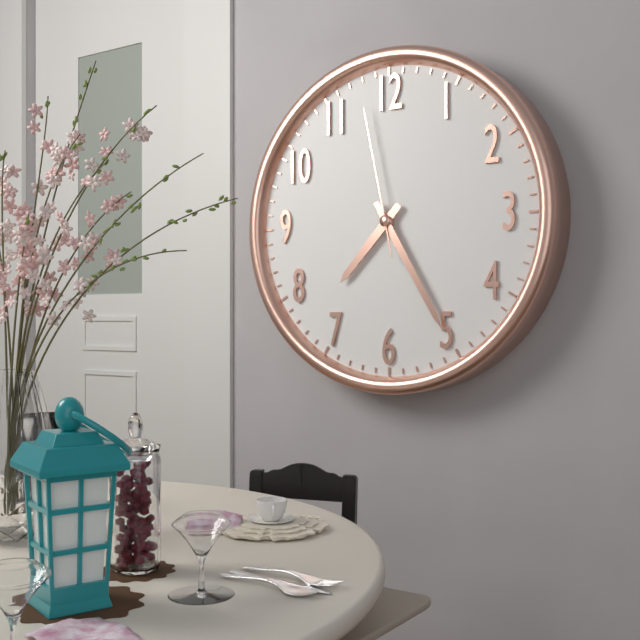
7:25:58
